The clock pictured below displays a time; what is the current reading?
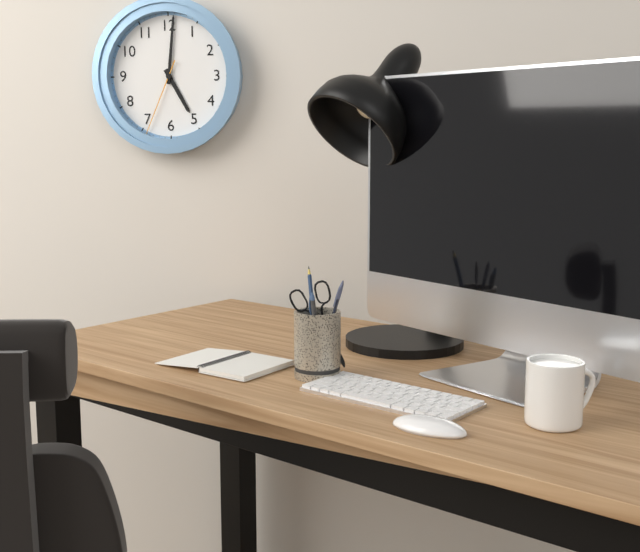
5:01:34
